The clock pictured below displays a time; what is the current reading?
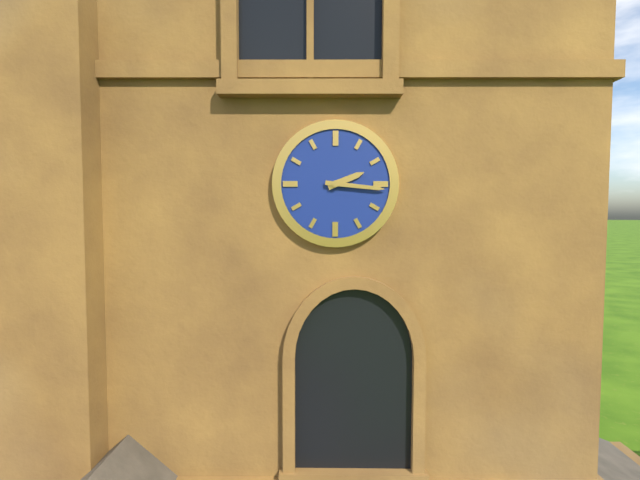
2:16
